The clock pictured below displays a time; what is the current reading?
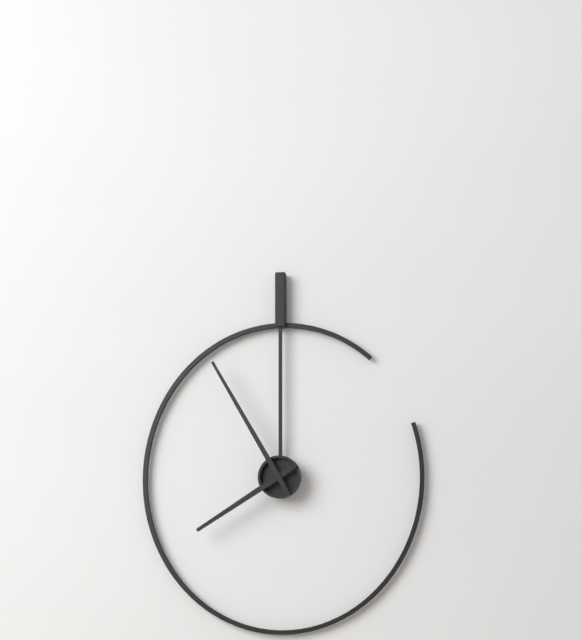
7:55
